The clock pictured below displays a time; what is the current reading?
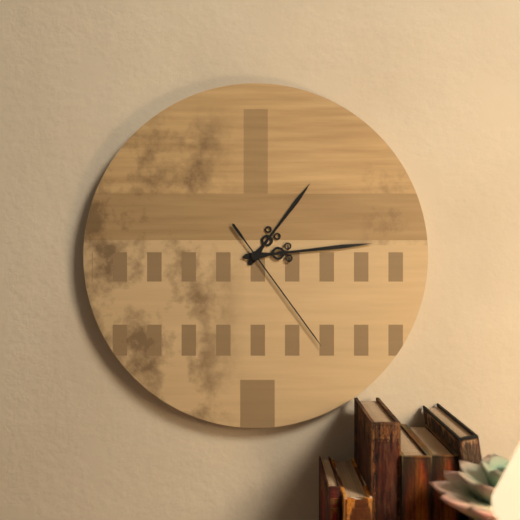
1:14:24
